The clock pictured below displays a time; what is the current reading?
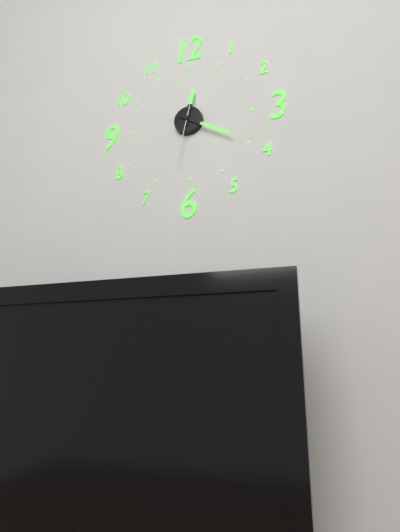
12:20:32
